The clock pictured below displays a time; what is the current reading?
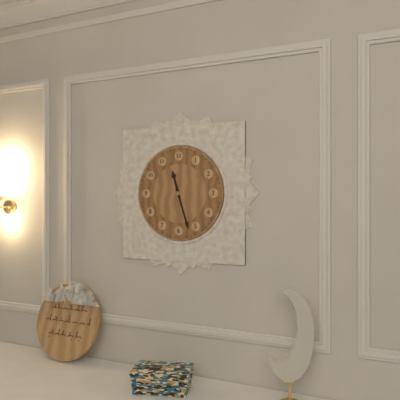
11:27
